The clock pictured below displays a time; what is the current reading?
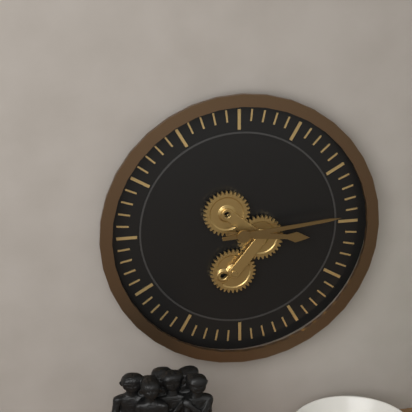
3:14
